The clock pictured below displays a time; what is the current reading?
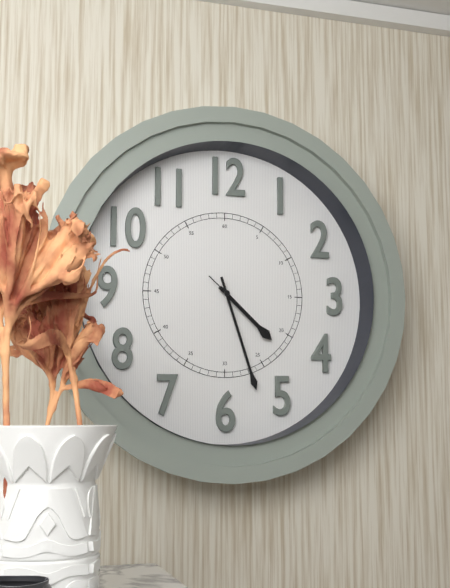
4:27:22
